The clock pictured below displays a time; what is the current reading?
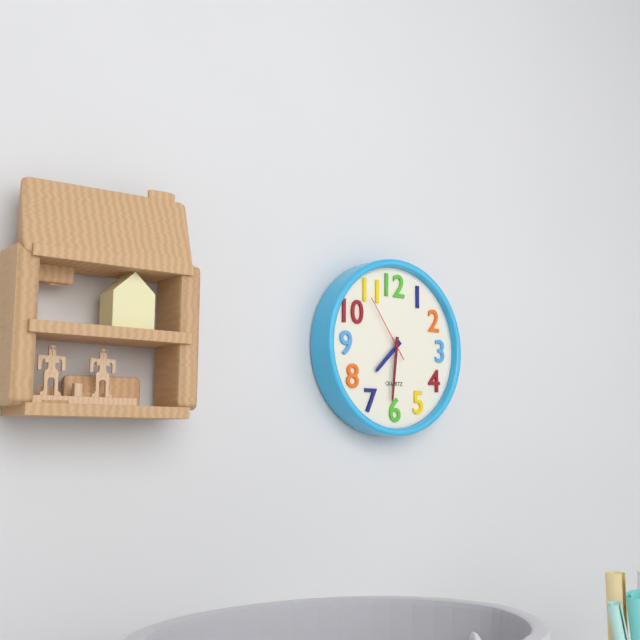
7:31:54
